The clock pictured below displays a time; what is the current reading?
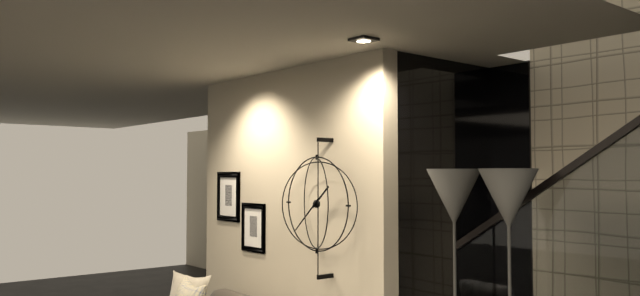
1:38
